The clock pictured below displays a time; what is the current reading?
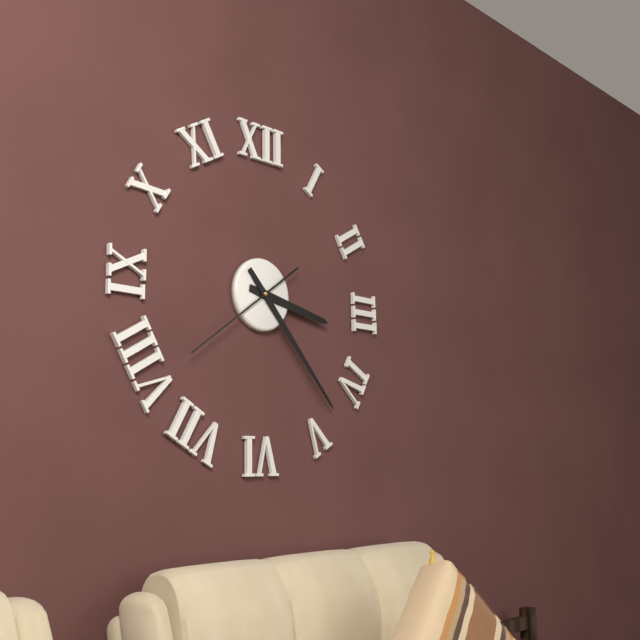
3:23:39
